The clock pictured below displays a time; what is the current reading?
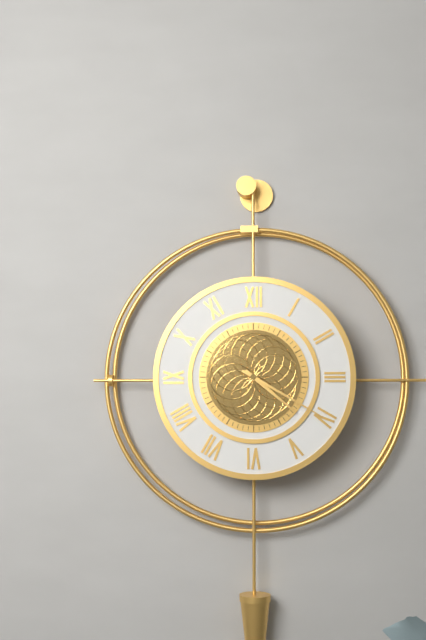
4:20
